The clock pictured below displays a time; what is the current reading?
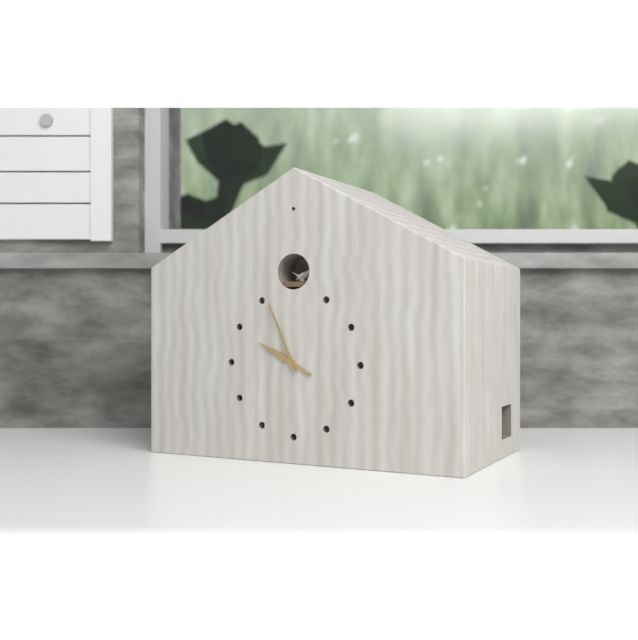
9:56
